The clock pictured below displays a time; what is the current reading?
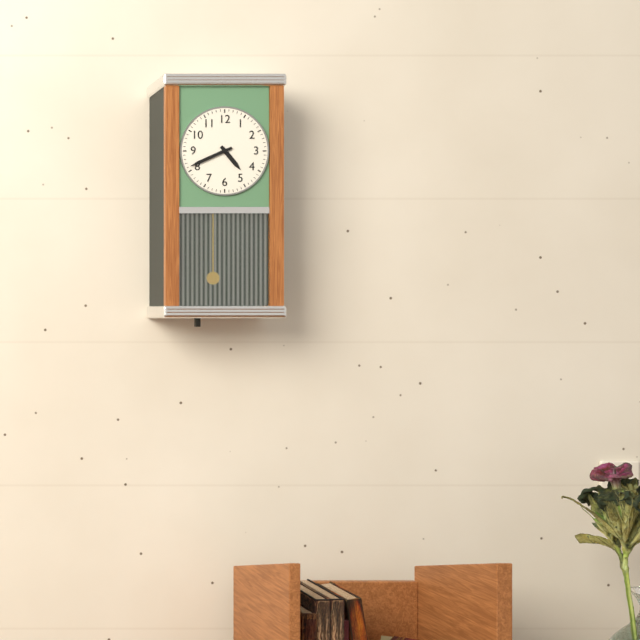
4:41
